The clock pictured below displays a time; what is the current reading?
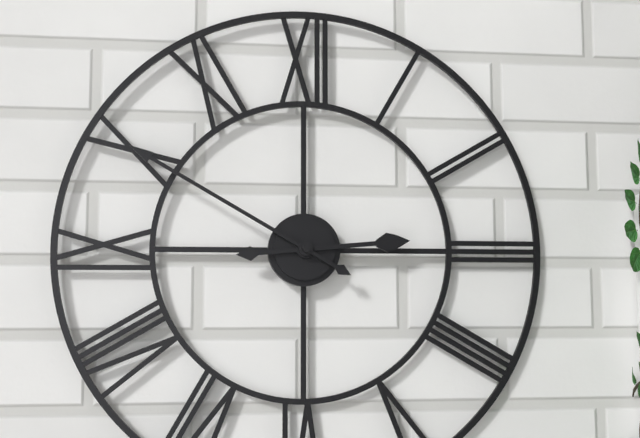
2:50
